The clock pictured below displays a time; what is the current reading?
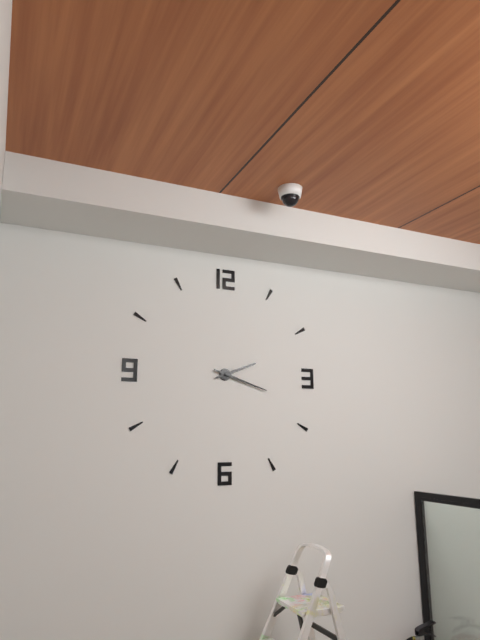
2:18
